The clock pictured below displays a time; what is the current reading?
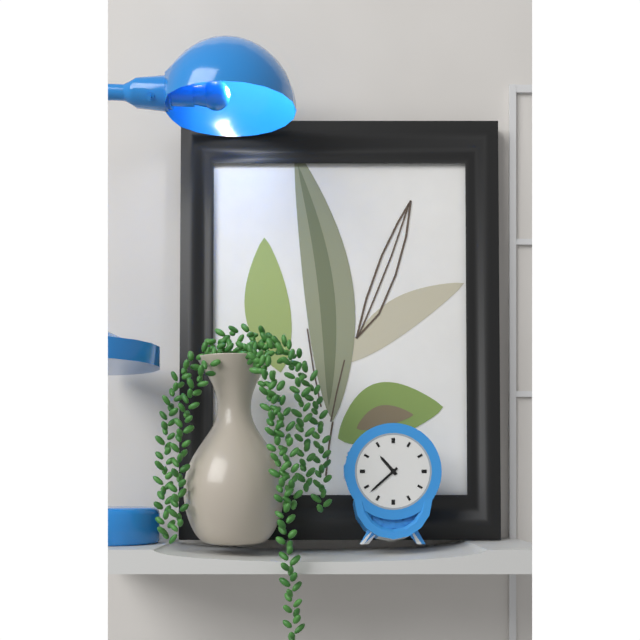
10:38
